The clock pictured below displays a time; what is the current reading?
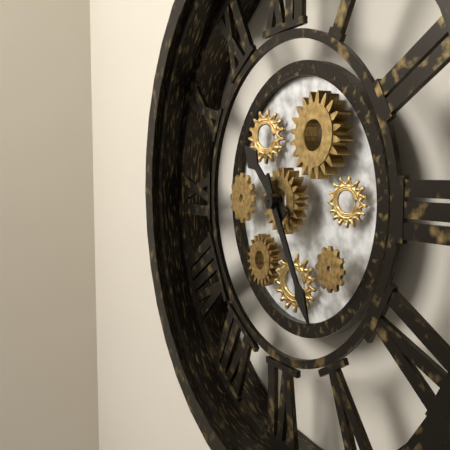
10:25
